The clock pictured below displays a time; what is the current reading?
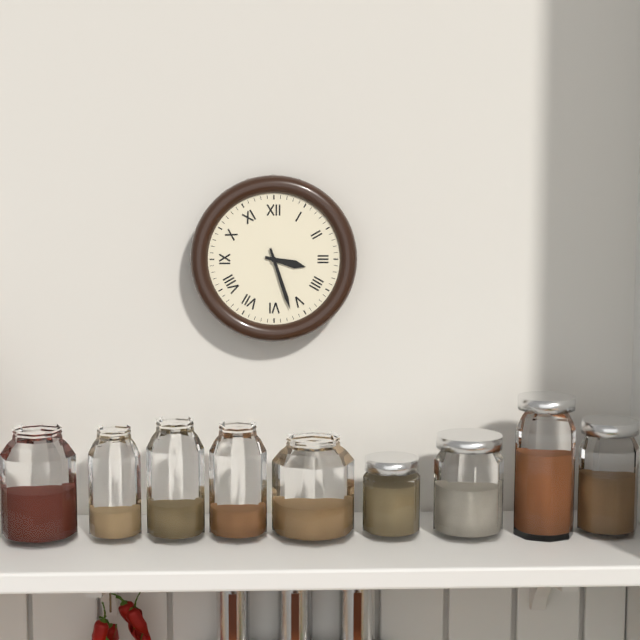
3:27
